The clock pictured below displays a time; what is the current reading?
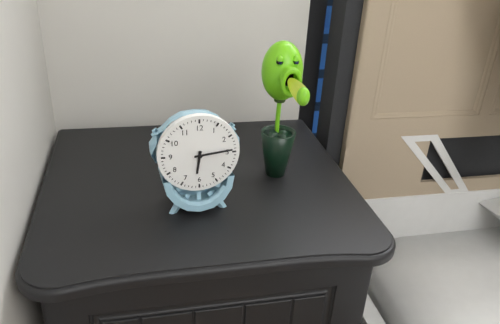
6:14
